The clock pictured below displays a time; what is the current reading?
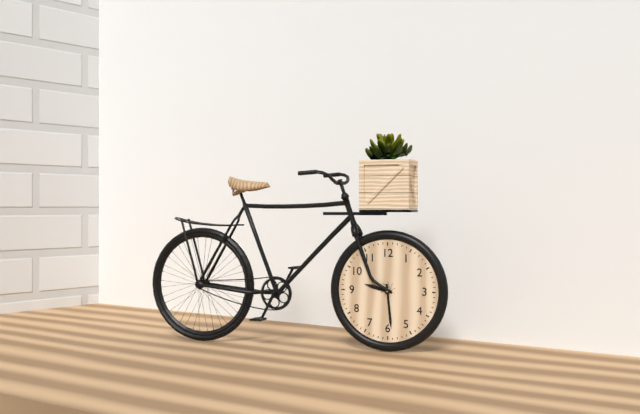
9:29
